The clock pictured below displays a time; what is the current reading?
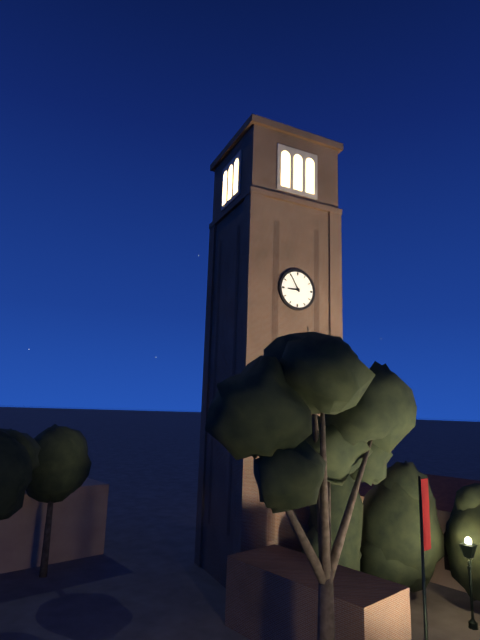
8:55
